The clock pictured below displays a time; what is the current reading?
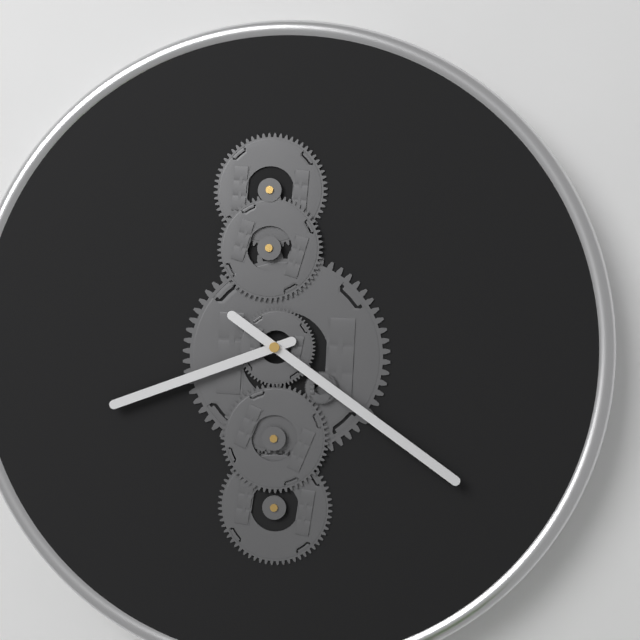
8:21
